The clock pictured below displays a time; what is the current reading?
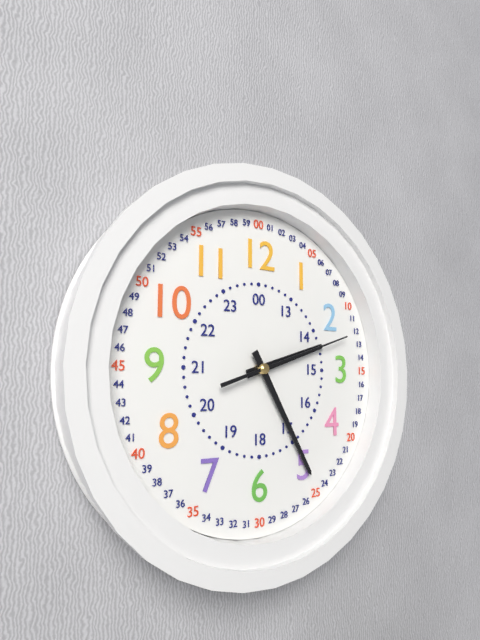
2:25:12
